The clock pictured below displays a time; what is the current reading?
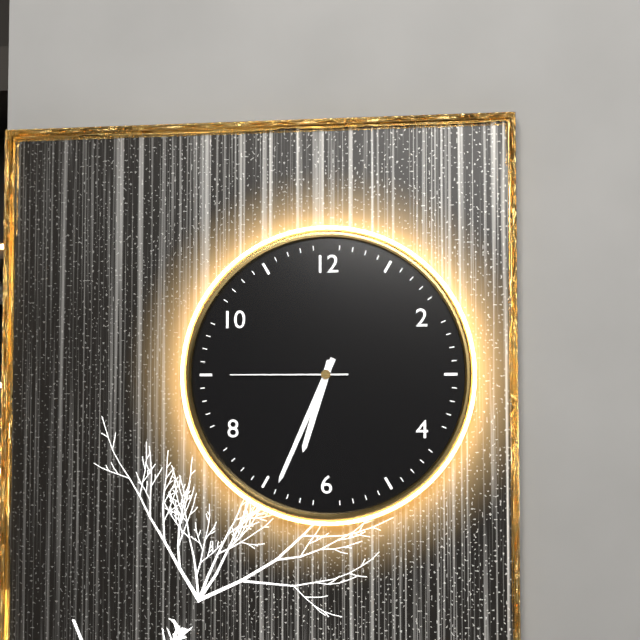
6:34:45
